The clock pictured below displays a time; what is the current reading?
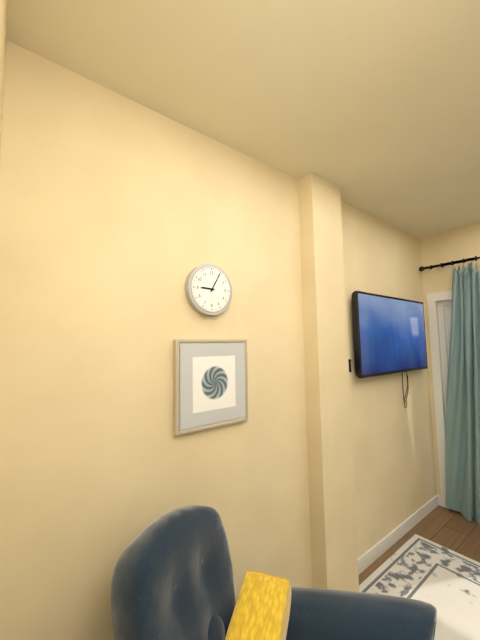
9:05
